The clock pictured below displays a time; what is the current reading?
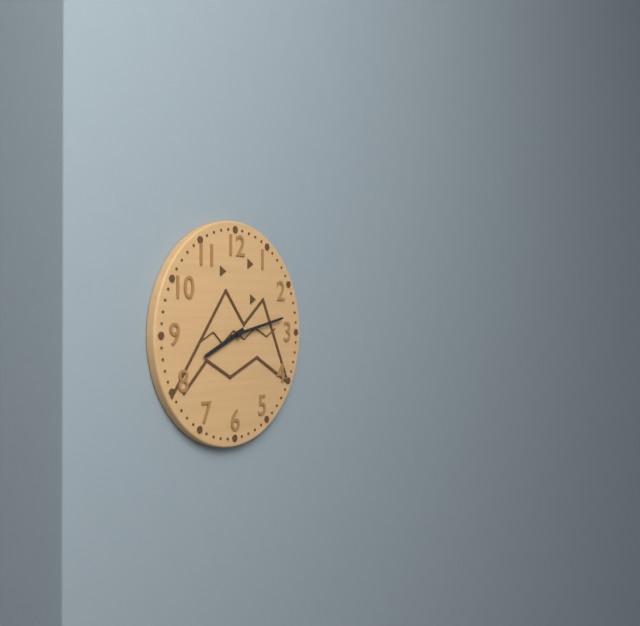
8:13
